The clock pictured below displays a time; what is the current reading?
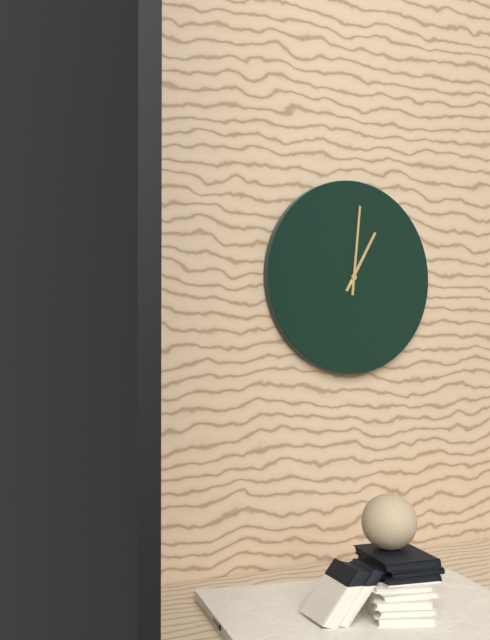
1:01
